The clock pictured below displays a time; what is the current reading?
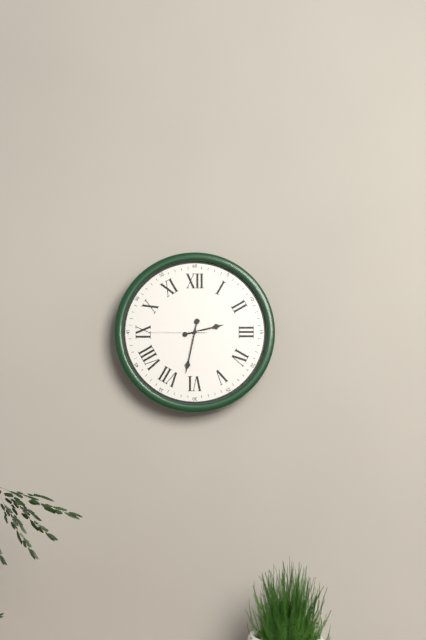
2:32:45
